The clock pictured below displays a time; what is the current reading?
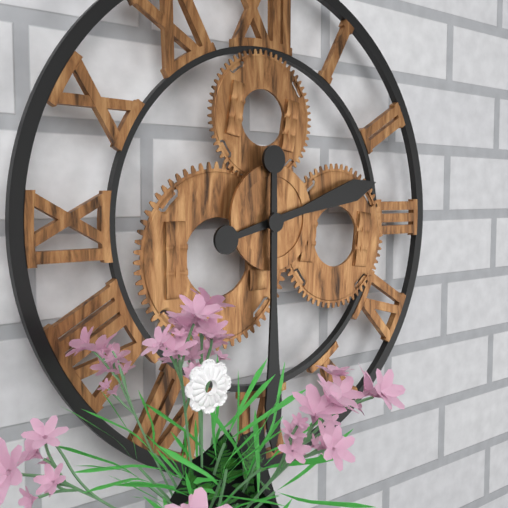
2:30
